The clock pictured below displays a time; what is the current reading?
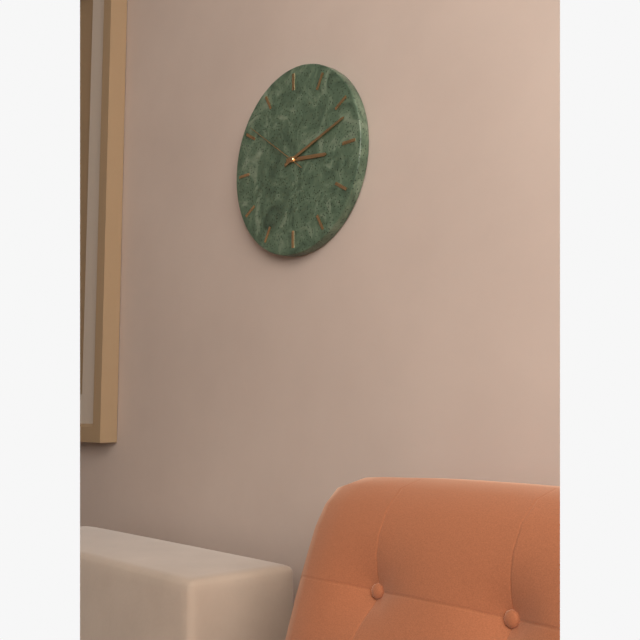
3:12:51
